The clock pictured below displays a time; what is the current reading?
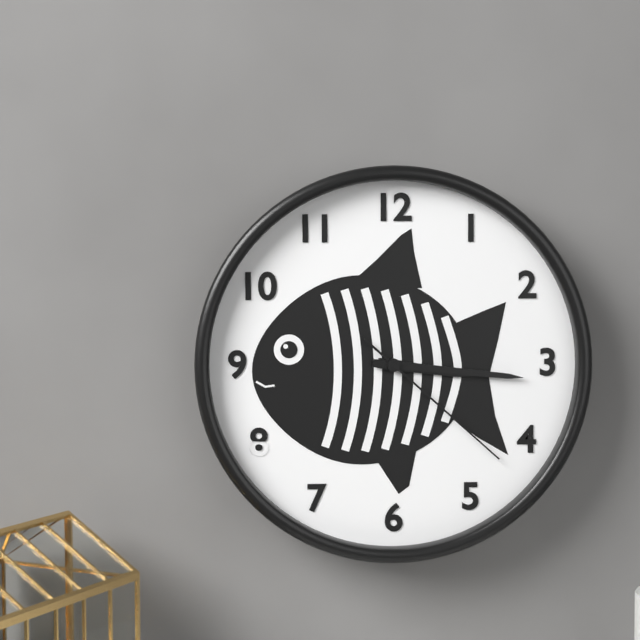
3:16:22
